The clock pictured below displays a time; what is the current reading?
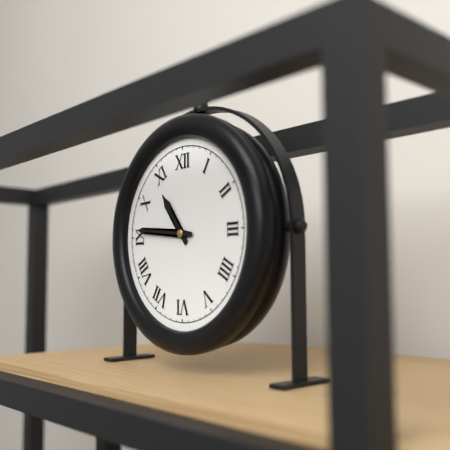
10:46
